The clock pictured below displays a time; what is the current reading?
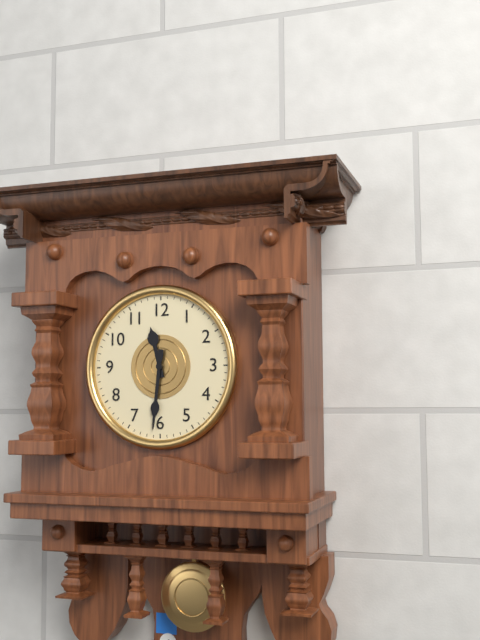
11:31
